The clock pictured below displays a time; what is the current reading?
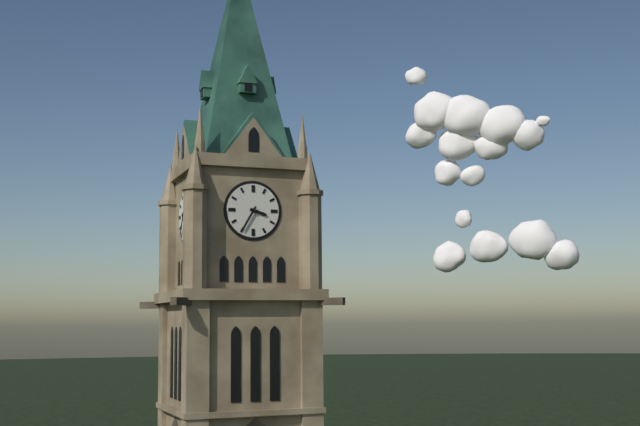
3:35
